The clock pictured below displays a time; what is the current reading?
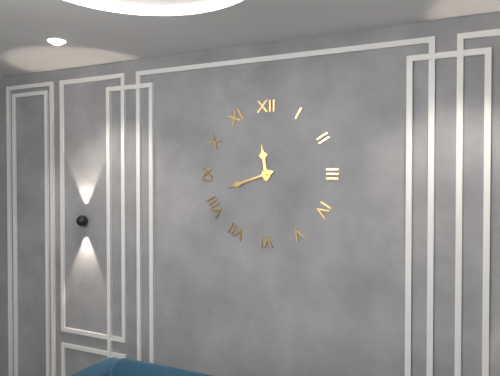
11:42
